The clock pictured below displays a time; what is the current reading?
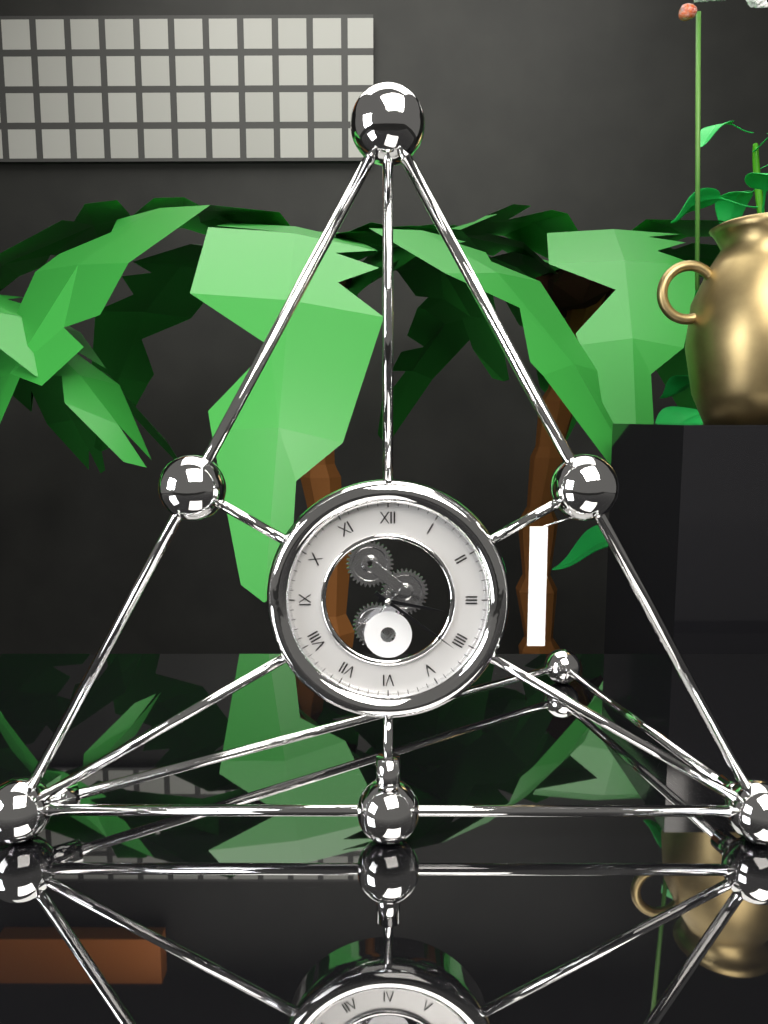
3:21
